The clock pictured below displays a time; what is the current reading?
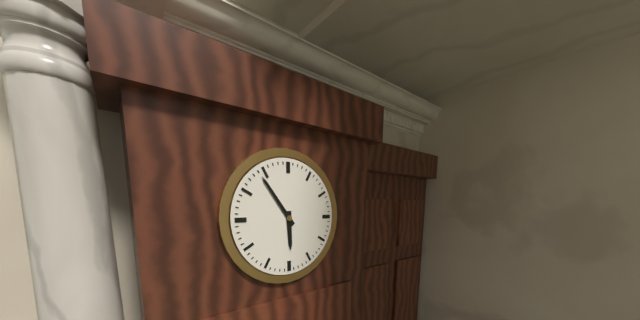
5:54
